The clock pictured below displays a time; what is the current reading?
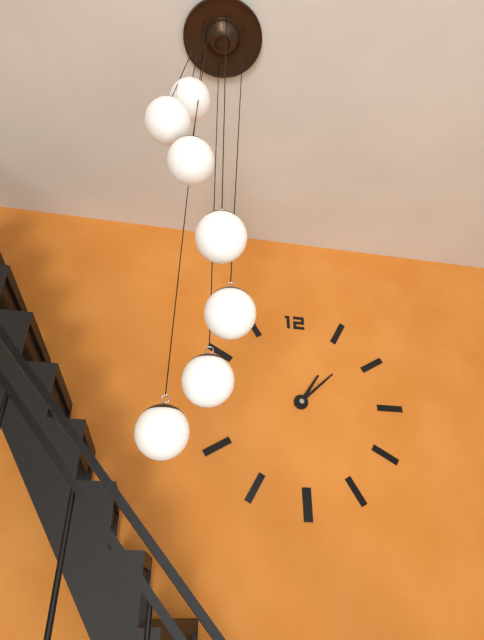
1:08
